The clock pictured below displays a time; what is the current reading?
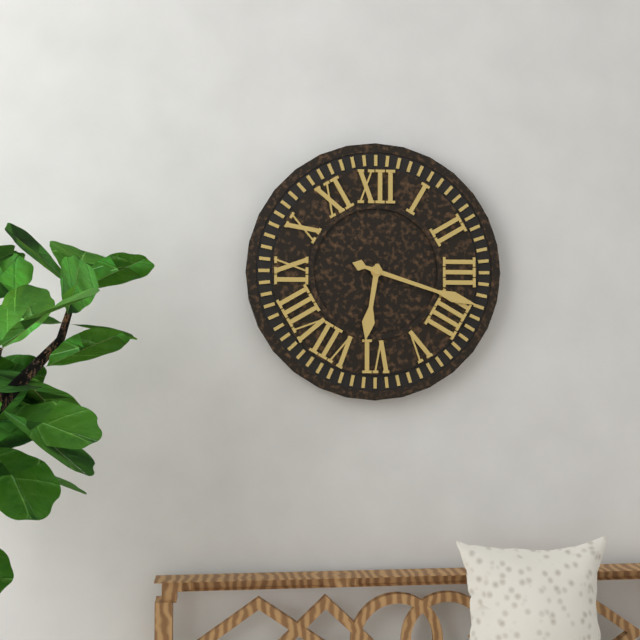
6:18
